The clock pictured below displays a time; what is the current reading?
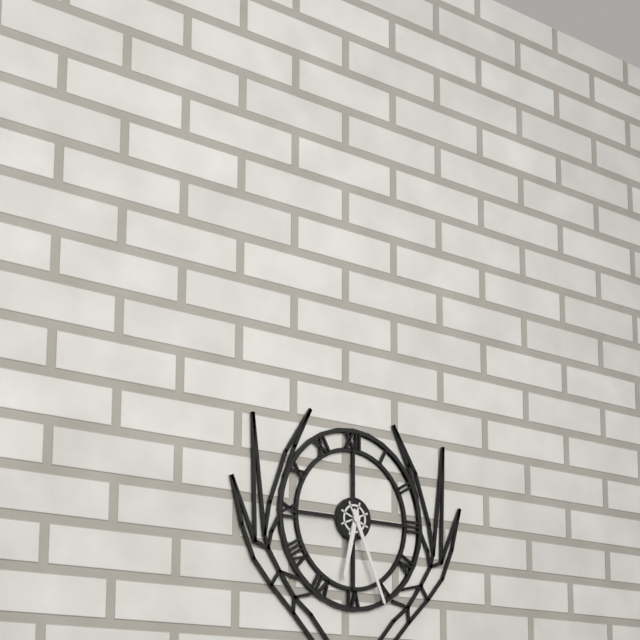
6:26
